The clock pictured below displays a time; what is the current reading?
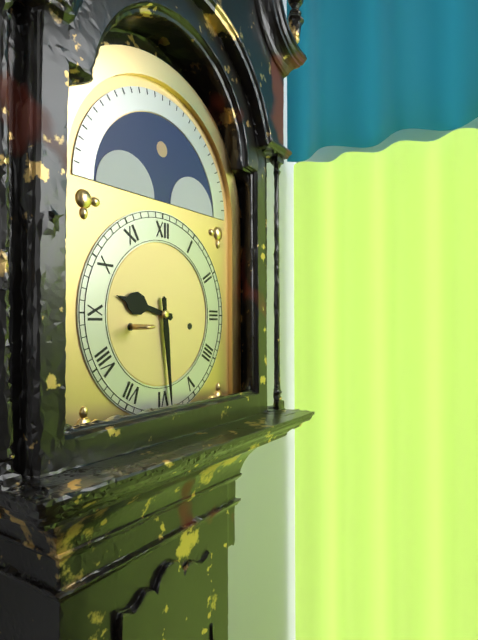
9:29
